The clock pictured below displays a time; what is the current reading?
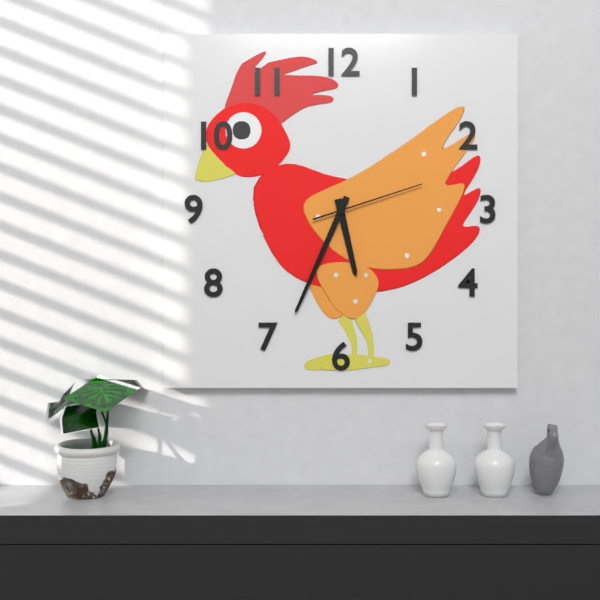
5:34:12
